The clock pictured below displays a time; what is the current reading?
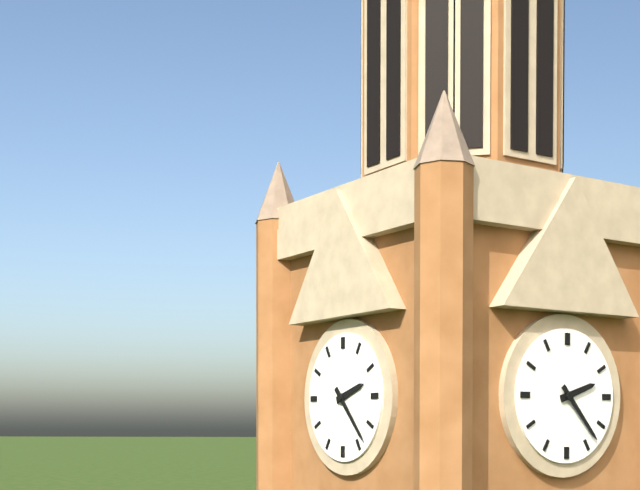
2:23
